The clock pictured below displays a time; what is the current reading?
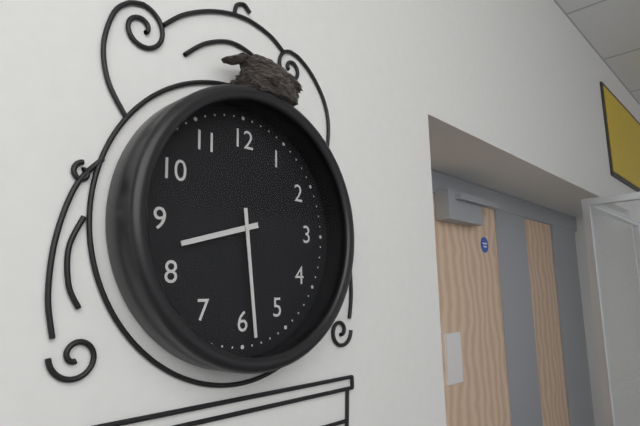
8:29
